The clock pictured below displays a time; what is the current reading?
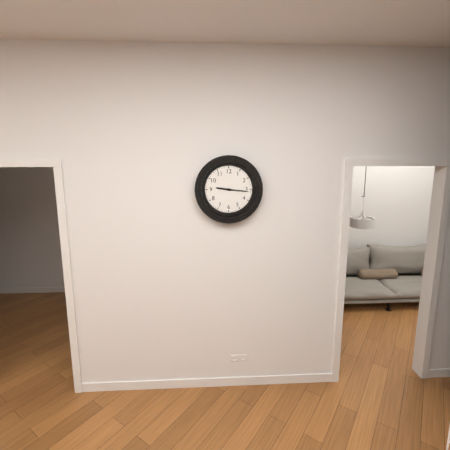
9:16
